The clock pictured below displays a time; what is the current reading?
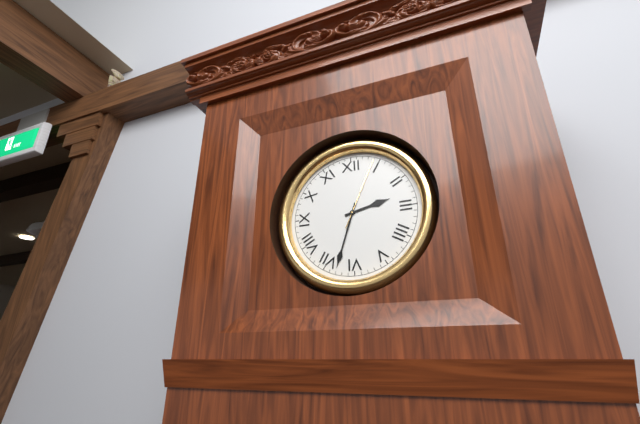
2:33:04
